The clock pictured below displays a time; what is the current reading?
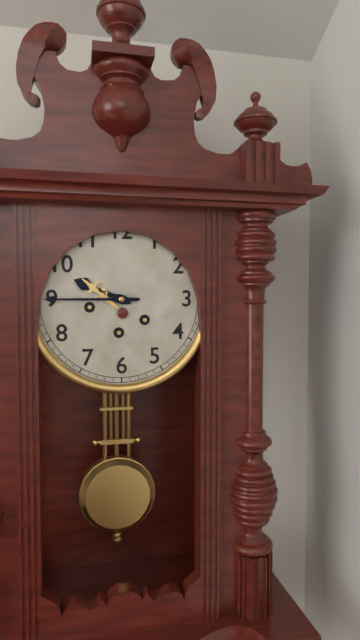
9:45
